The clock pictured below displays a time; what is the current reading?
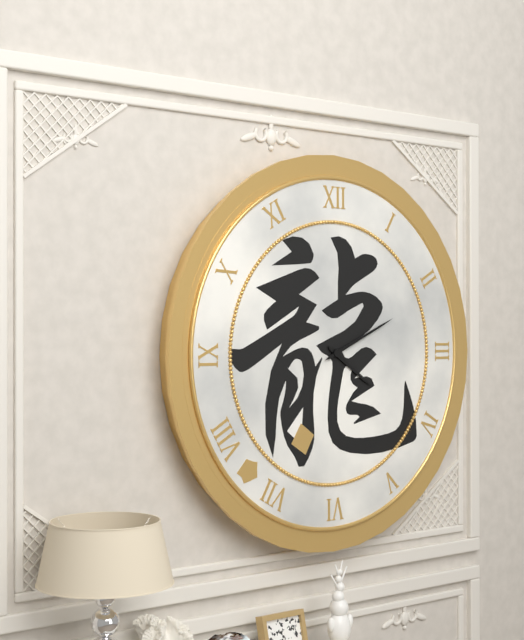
4:11
